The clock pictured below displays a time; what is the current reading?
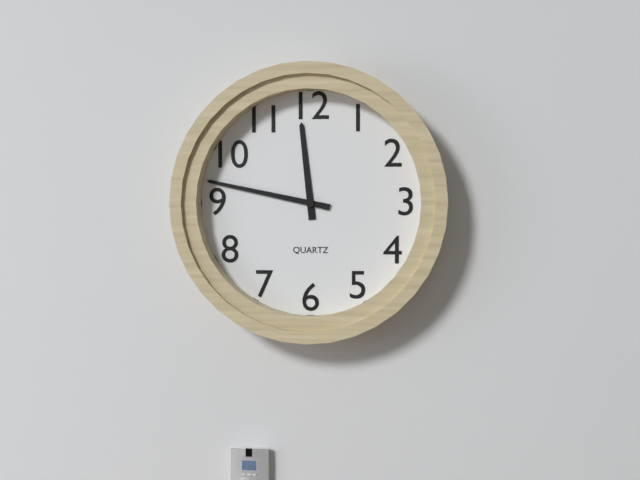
11:47
